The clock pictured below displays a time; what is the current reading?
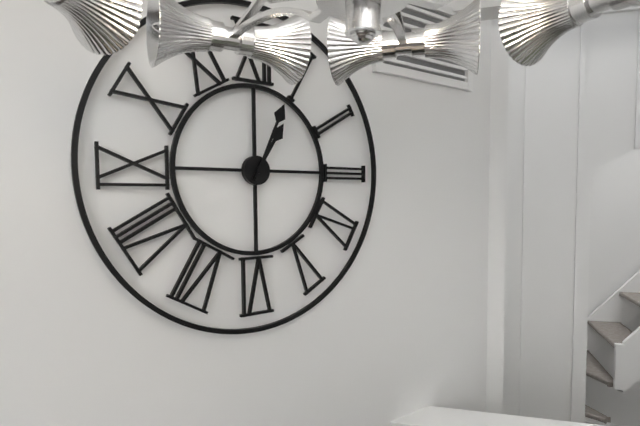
1:04
